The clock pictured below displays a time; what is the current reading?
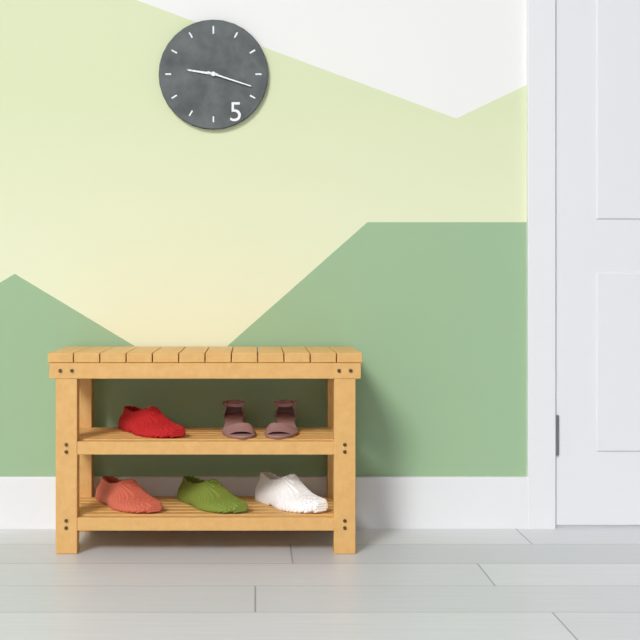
9:18
